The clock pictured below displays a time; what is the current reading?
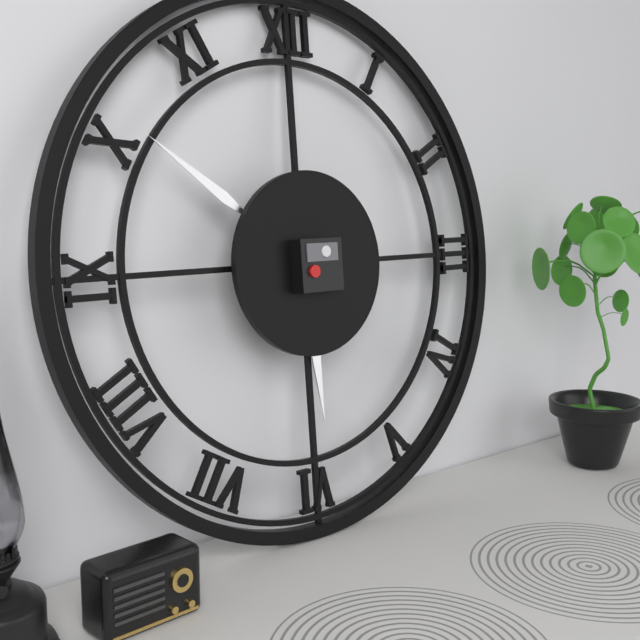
5:51
